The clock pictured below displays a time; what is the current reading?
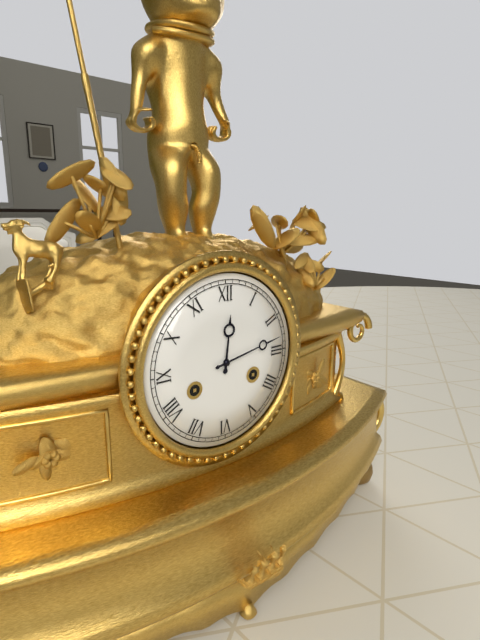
12:13
